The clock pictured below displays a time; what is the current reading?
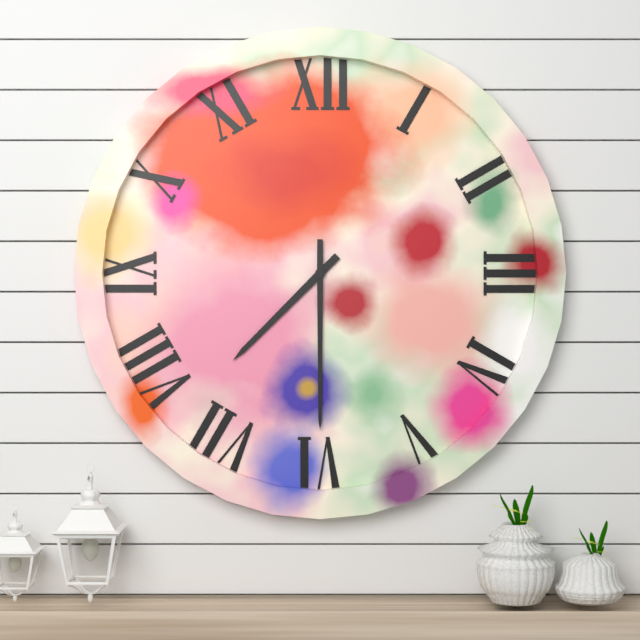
7:30
